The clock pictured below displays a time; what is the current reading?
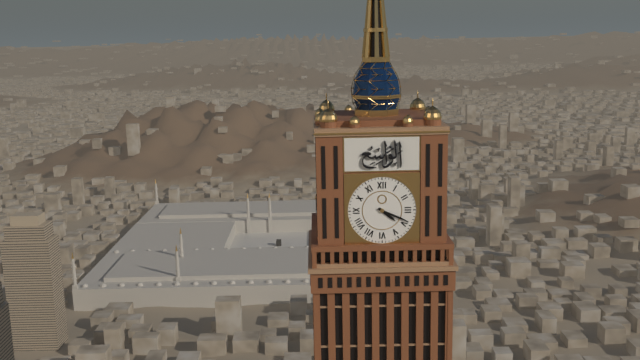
4:19
